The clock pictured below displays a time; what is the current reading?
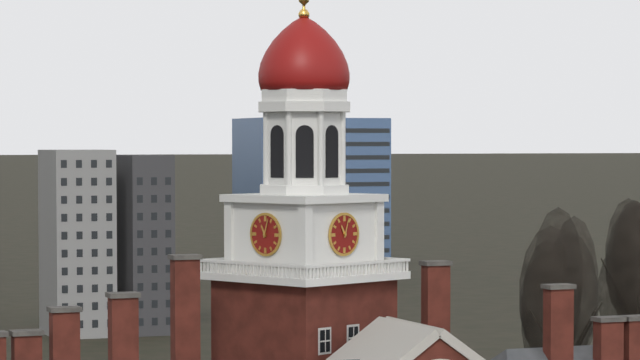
11:03
